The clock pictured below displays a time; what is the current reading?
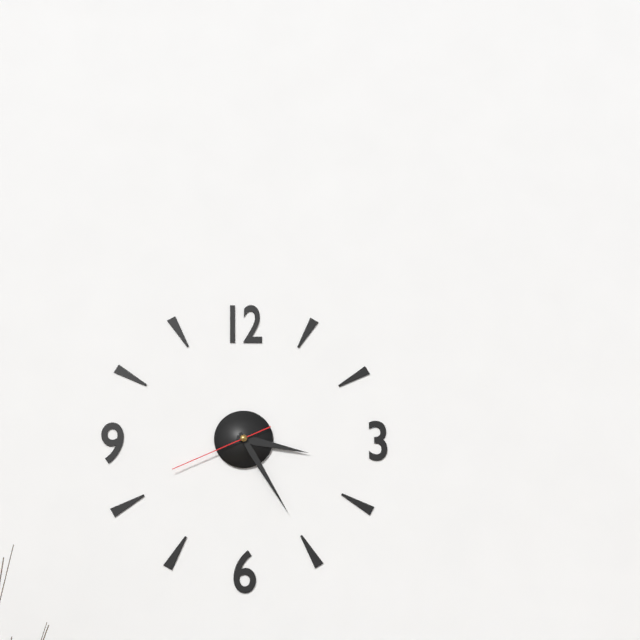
3:25:41
